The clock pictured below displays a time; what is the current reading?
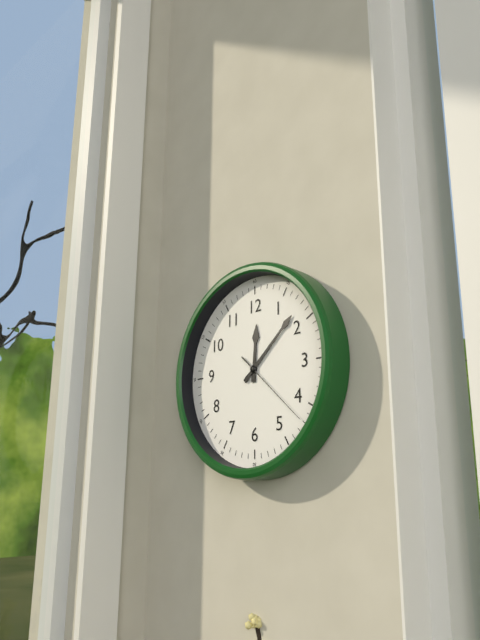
12:08:22
